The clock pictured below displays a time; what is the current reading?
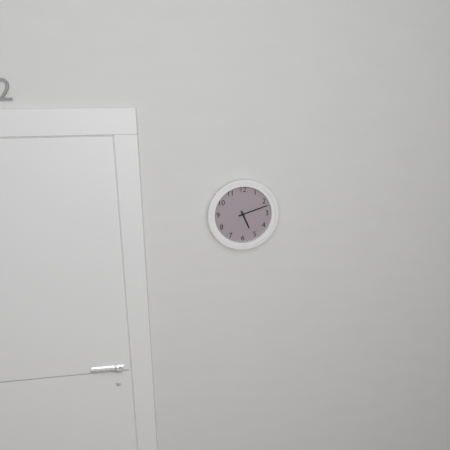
5:12
